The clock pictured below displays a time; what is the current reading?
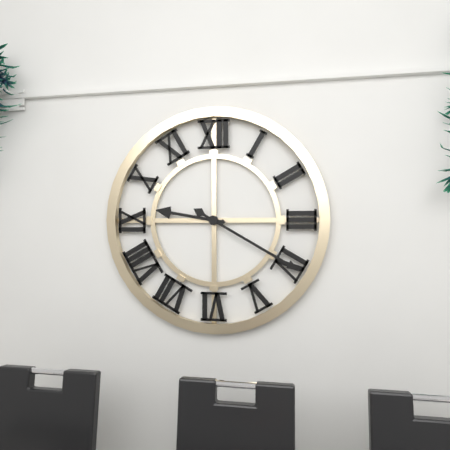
9:20
